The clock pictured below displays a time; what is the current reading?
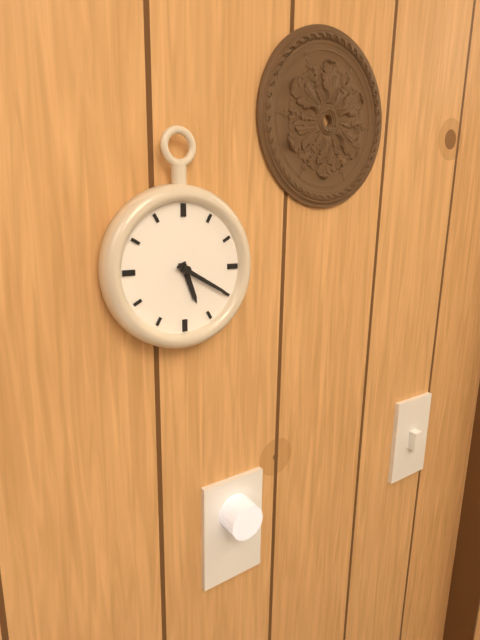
5:20
